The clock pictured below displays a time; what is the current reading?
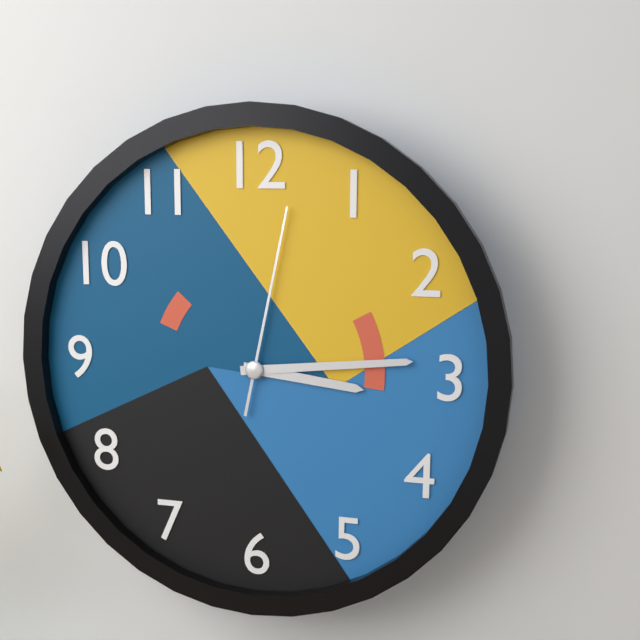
3:14:02
